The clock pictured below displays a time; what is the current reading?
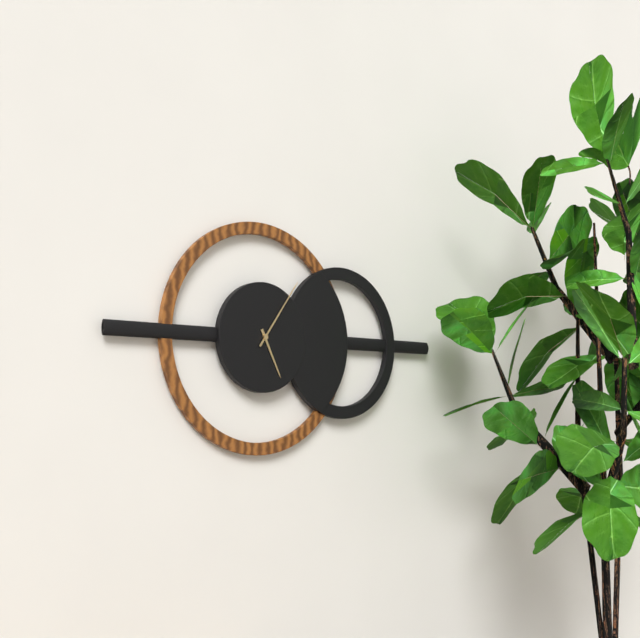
5:06
